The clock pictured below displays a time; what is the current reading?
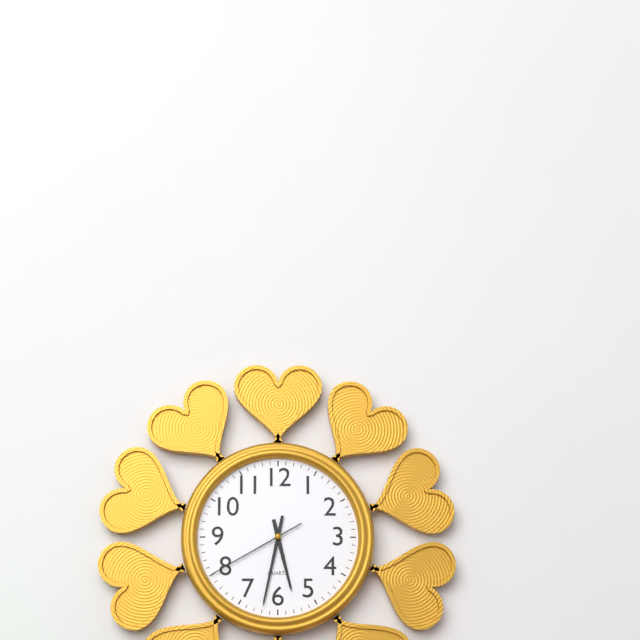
5:32:40
